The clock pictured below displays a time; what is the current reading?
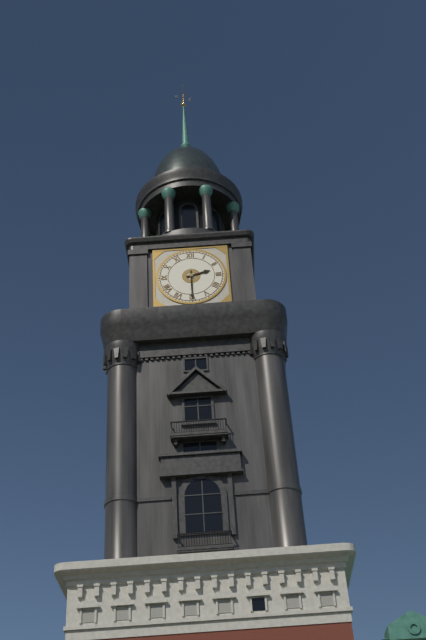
2:30
